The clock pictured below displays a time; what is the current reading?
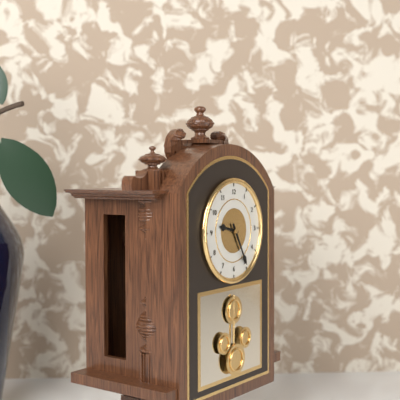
9:25
